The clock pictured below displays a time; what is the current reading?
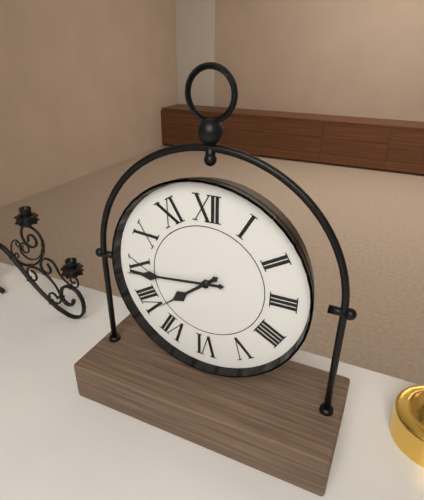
7:44
